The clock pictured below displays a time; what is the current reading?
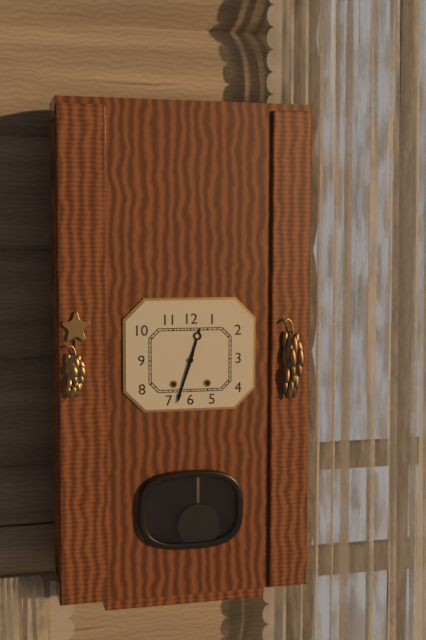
12:33
